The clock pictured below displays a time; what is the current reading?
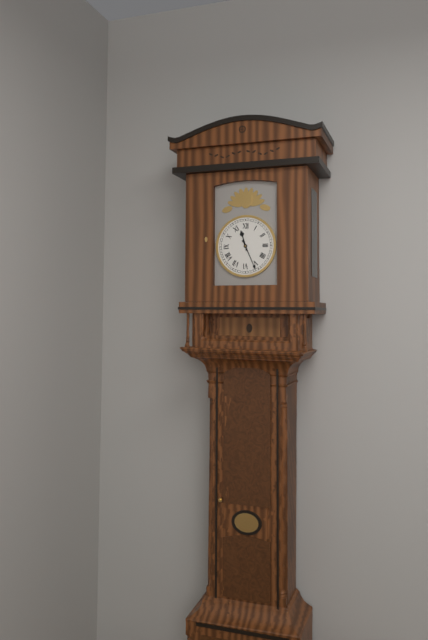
11:26
